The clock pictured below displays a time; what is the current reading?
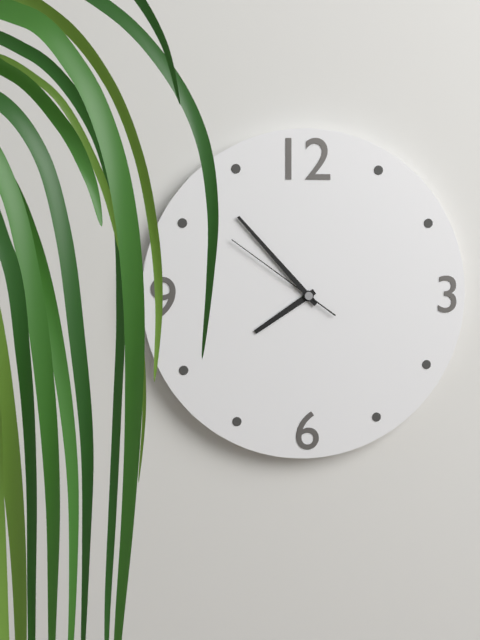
7:53:51
